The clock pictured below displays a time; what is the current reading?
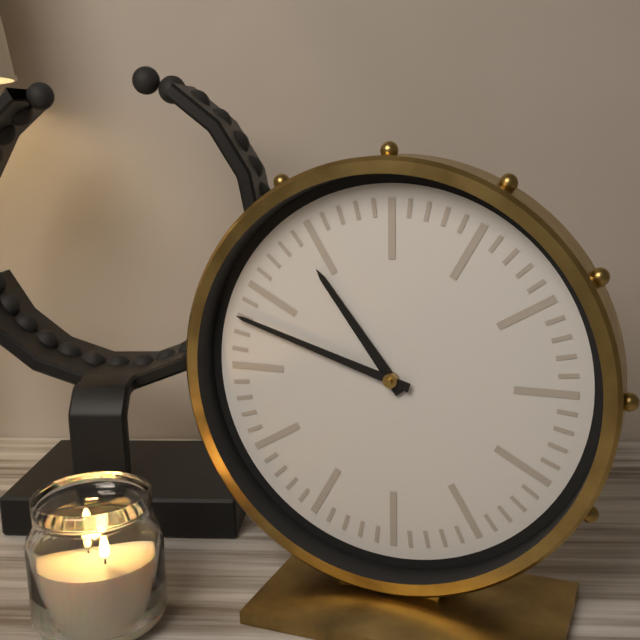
10:48
